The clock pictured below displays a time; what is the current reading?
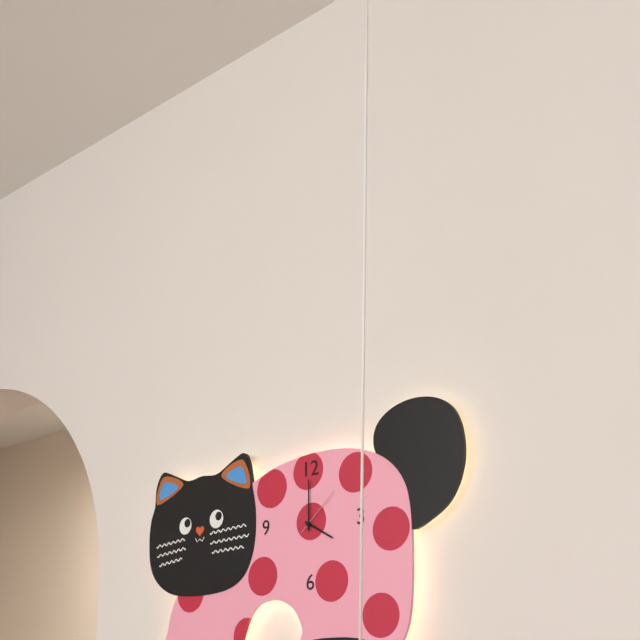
4:00:08
